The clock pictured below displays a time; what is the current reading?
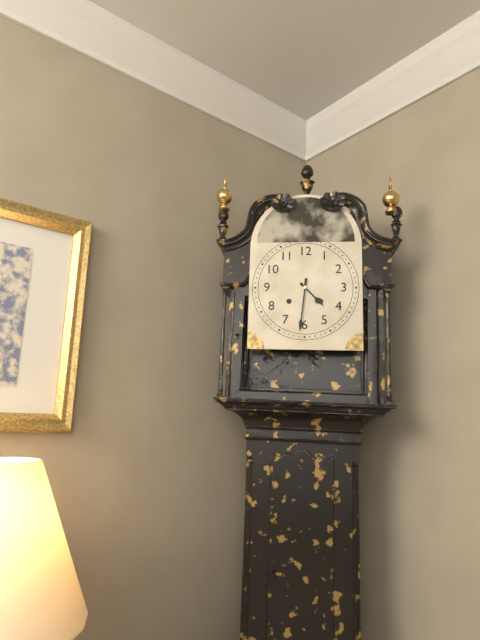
4:31
